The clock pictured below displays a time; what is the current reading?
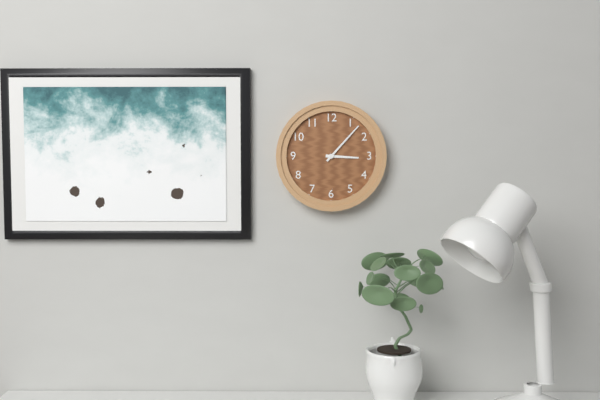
3:07
